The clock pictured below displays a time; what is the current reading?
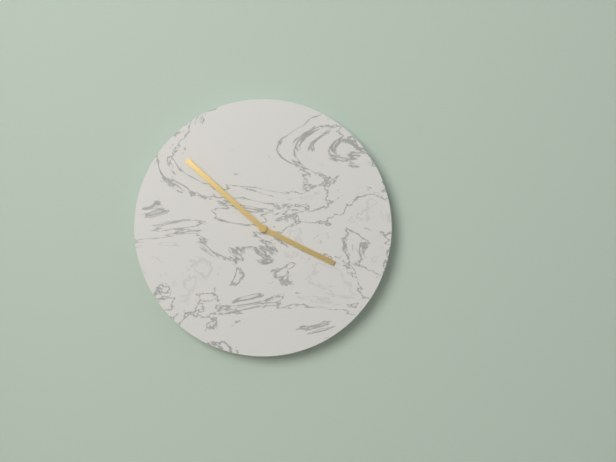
3:52
